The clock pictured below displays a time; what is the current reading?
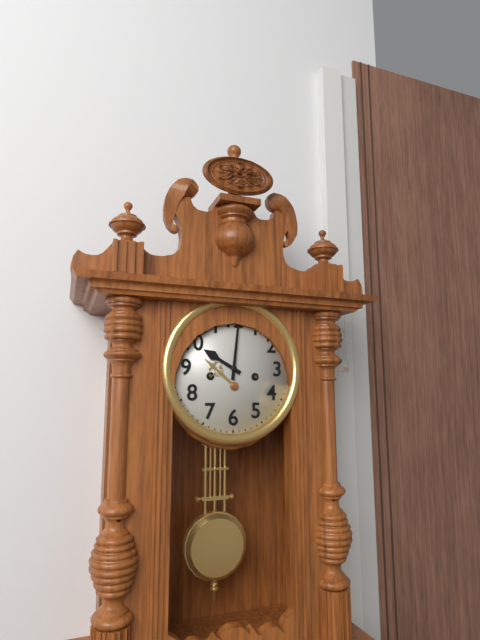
10:01
